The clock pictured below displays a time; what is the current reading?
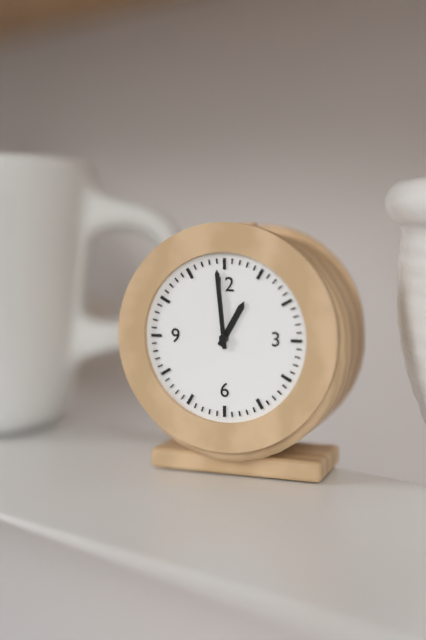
12:59
